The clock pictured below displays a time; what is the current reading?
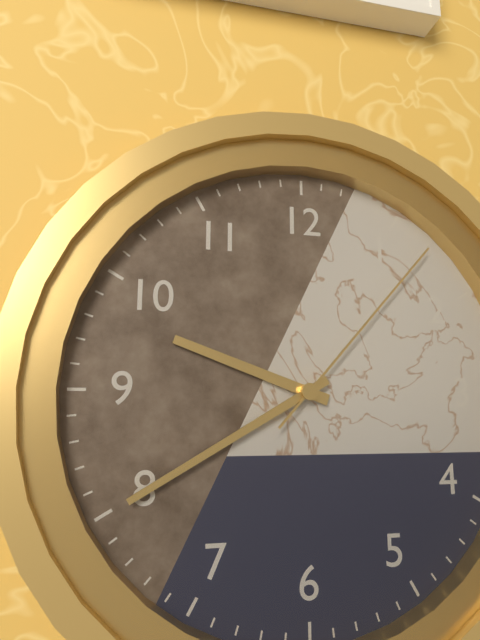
9:40:07
